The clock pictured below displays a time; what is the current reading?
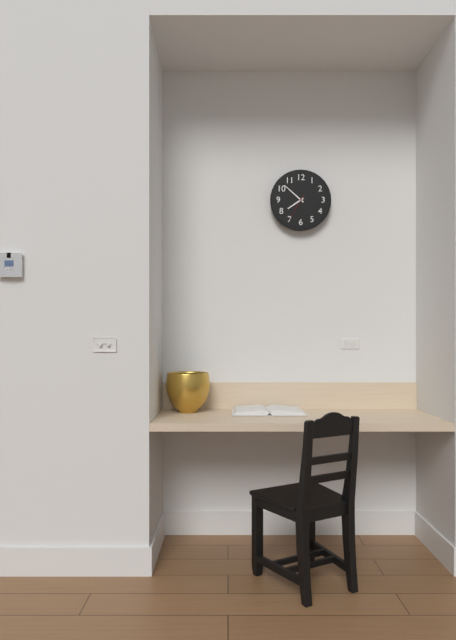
7:52
